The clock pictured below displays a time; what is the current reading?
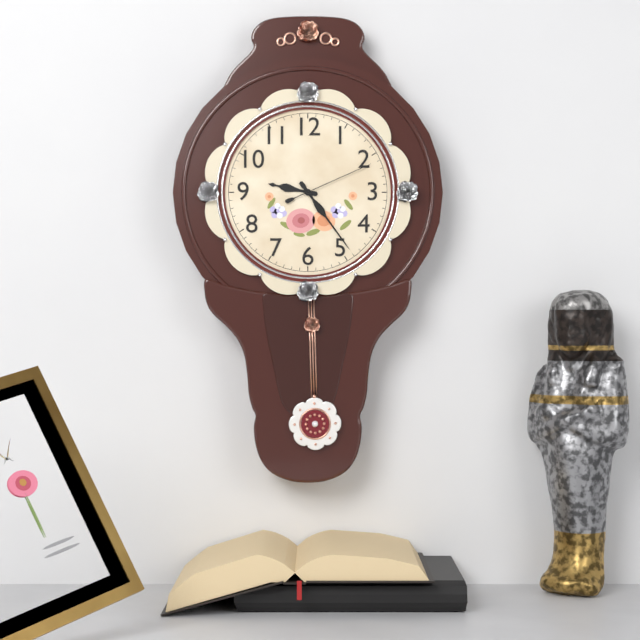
9:24:11
